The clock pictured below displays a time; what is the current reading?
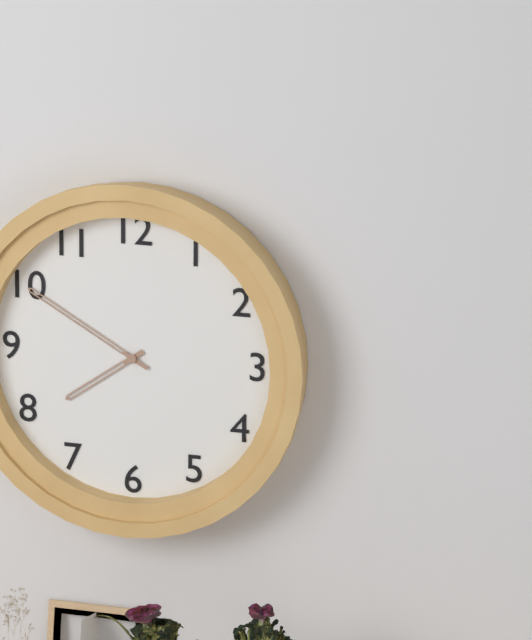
7:50
